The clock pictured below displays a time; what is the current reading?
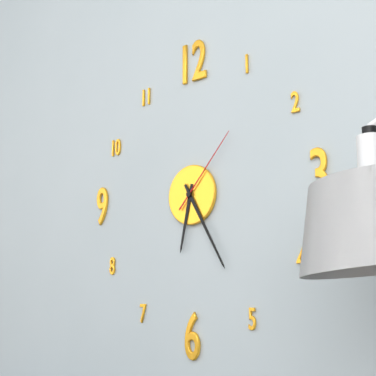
6:25:07
